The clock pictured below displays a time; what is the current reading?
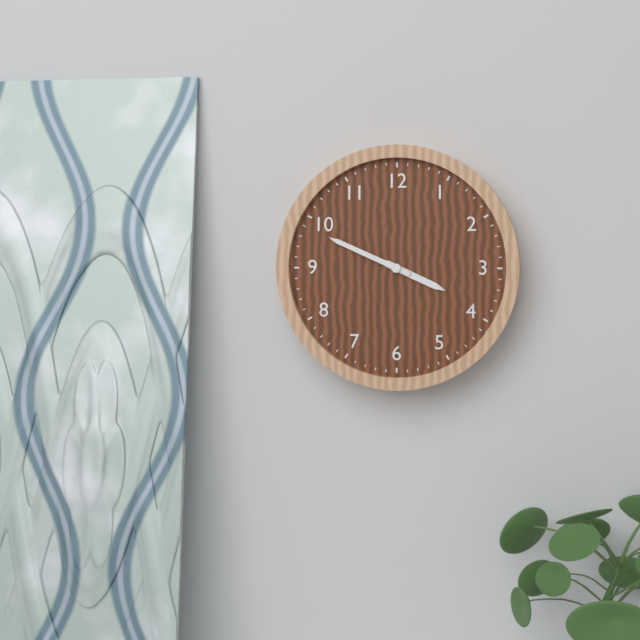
3:49
